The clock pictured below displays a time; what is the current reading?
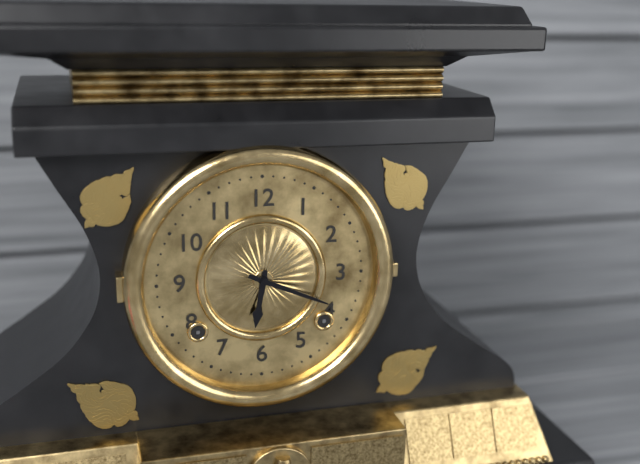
6:19
